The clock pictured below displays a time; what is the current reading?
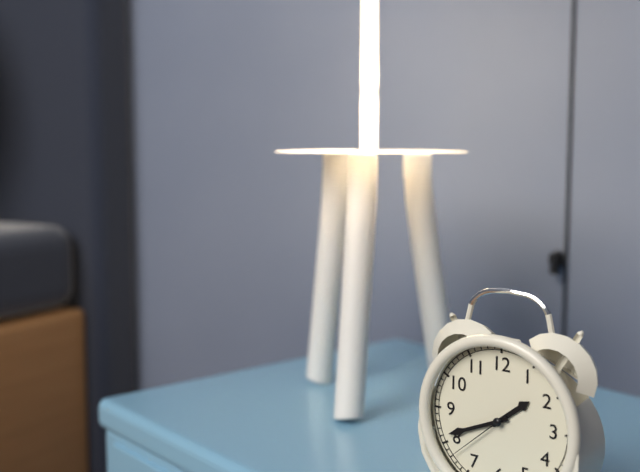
1:41:38
